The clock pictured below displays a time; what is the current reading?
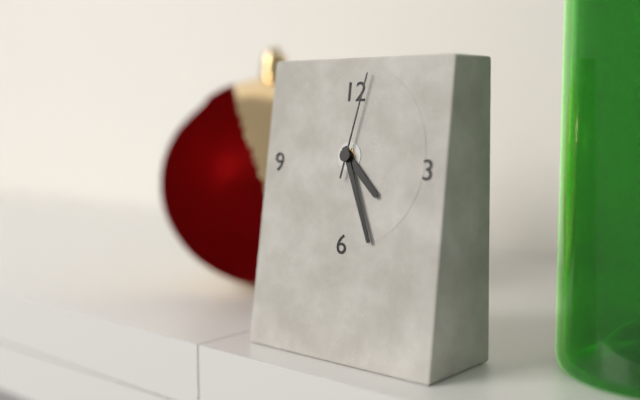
4:26:02
